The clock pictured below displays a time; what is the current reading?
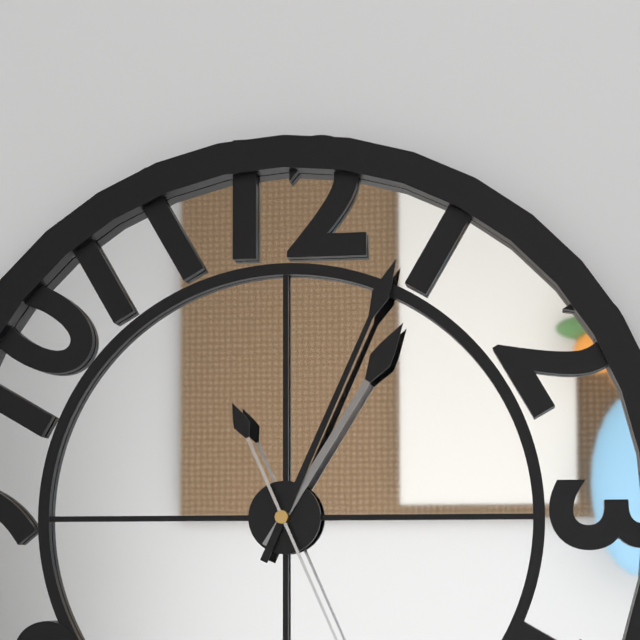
1:04
